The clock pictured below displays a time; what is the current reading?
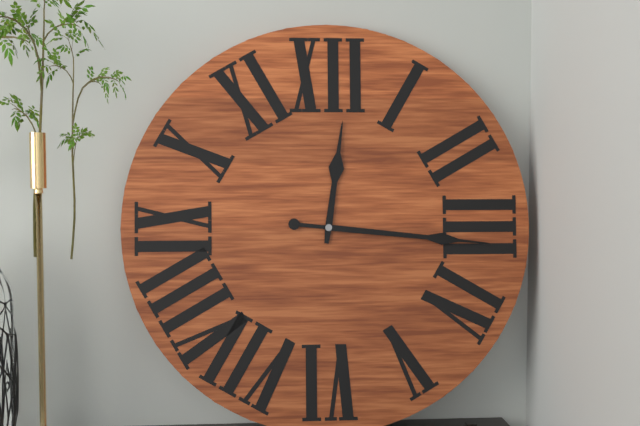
12:16
